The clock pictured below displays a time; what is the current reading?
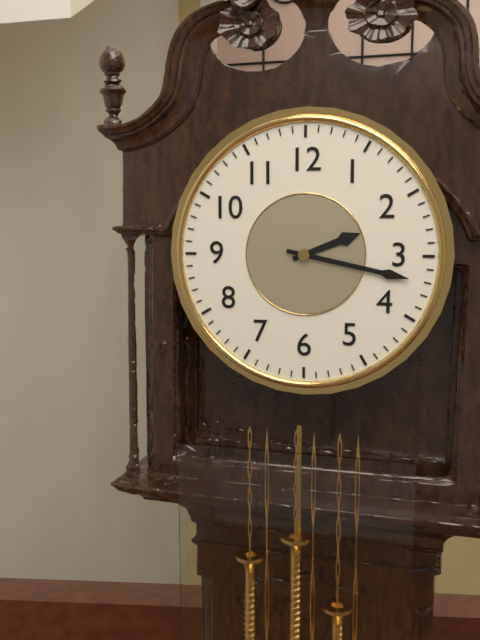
2:17
